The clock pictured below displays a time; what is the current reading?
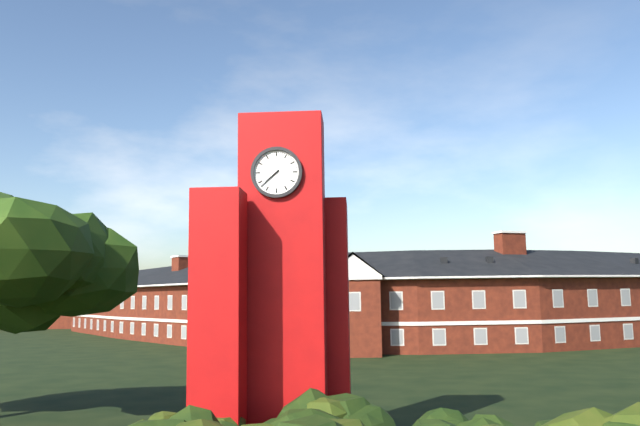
7:38
